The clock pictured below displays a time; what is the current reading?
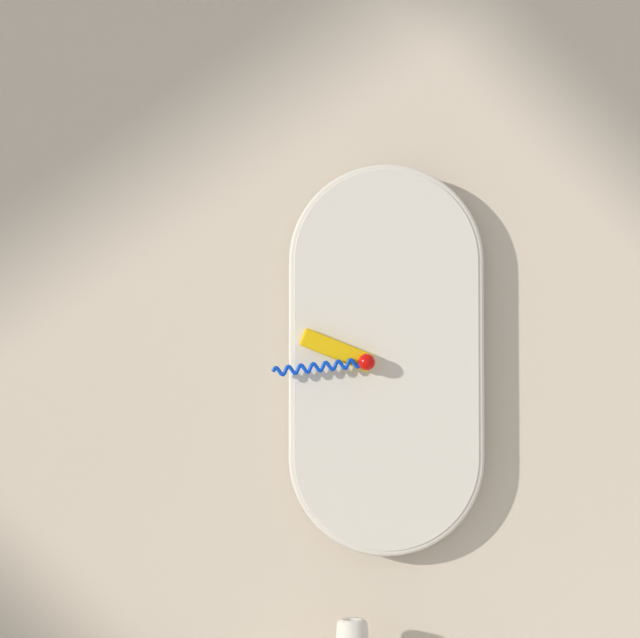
9:44
